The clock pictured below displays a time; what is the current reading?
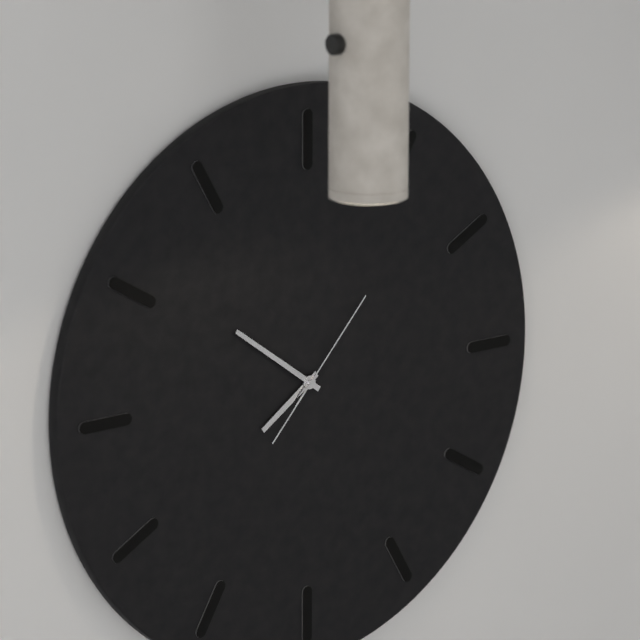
7:51:07
